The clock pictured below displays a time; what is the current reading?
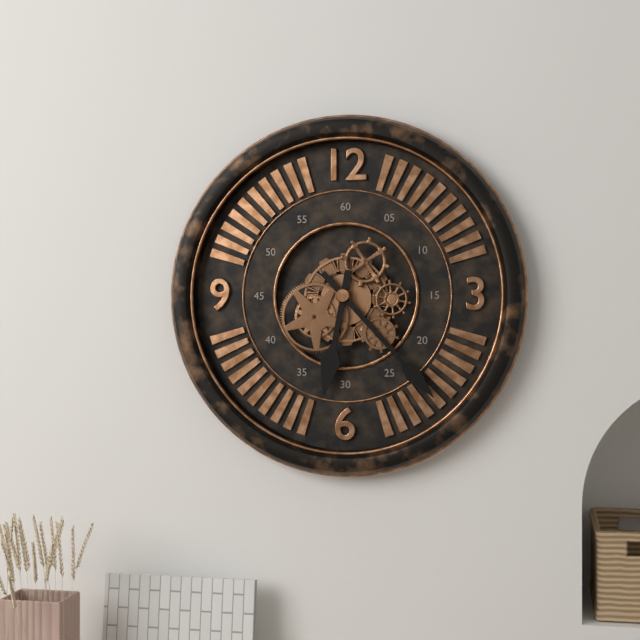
6:23
